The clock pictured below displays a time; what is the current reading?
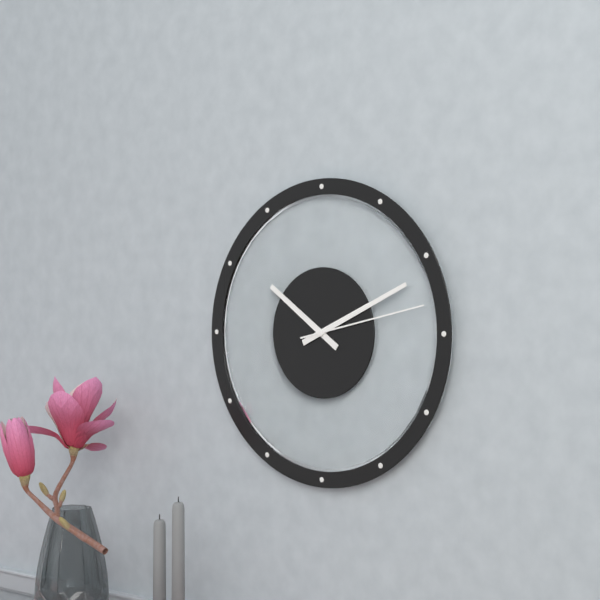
10:11:13
